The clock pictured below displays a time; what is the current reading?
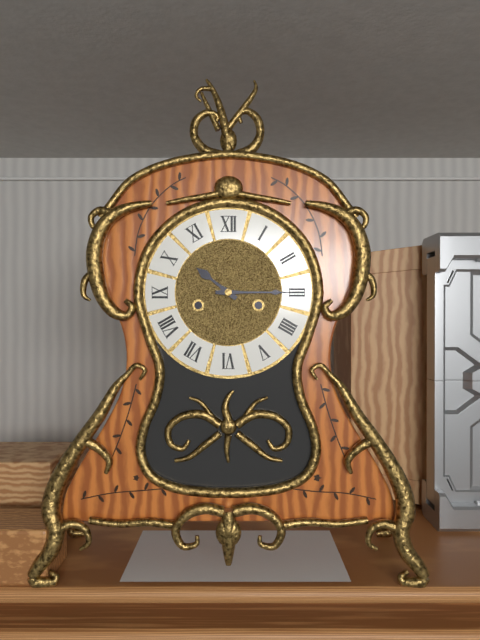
10:15
